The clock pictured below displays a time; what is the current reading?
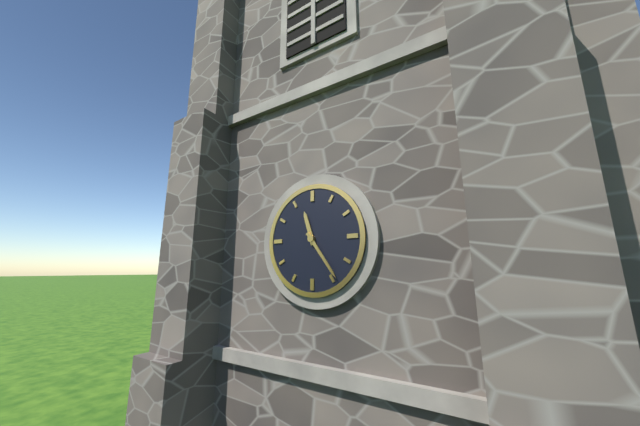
11:24
